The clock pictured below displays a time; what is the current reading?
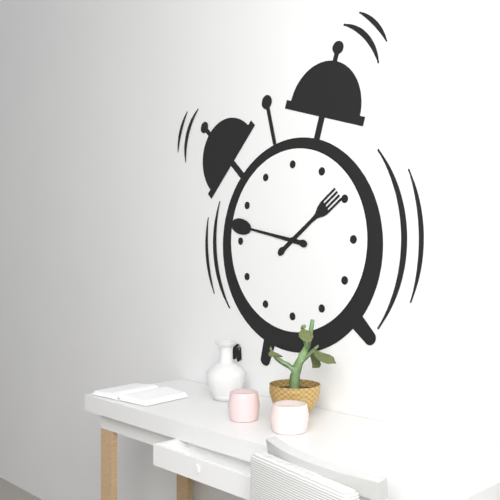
1:47
